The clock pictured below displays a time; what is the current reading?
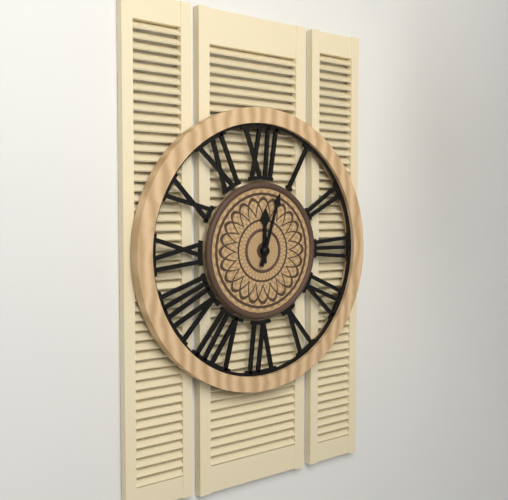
12:03
